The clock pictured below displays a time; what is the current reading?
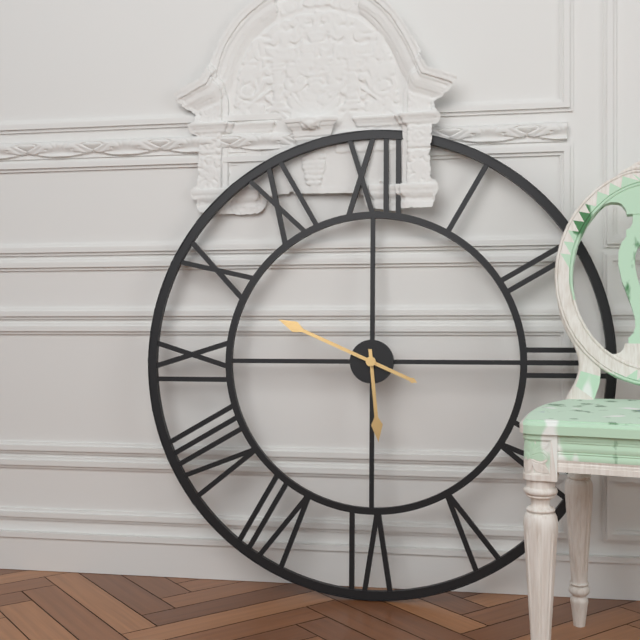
5:49
